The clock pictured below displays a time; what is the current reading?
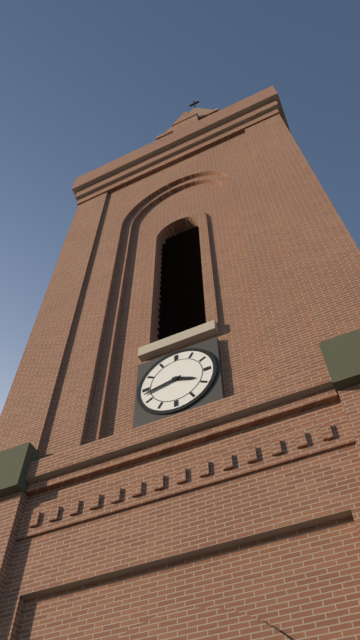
3:43
